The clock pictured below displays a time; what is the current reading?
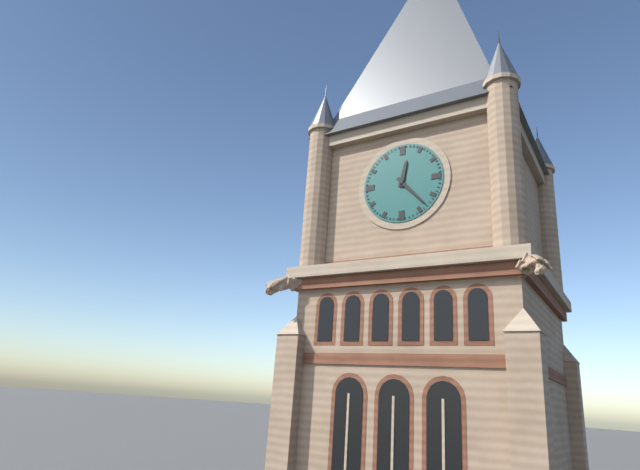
12:23
